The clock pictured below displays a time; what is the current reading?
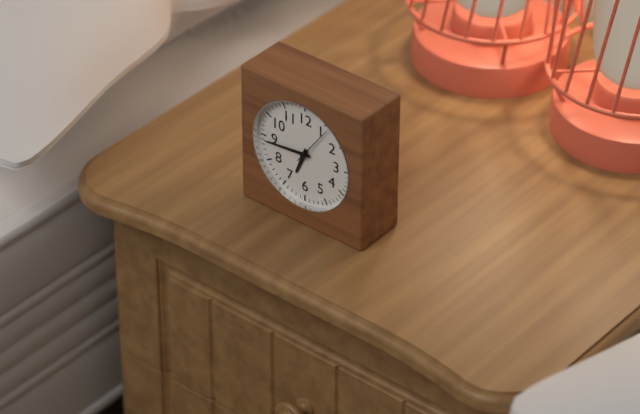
6:44
